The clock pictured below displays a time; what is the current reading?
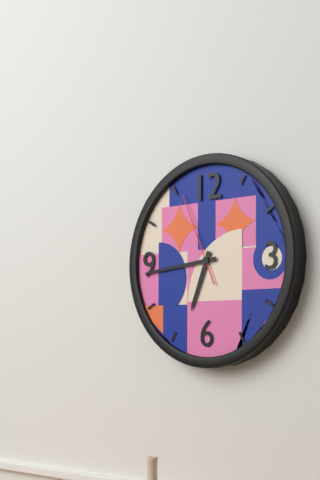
6:44:56
